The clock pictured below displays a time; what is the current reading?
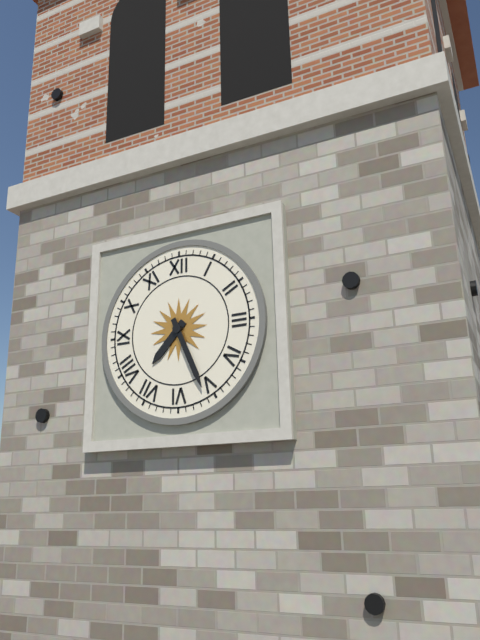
7:26
